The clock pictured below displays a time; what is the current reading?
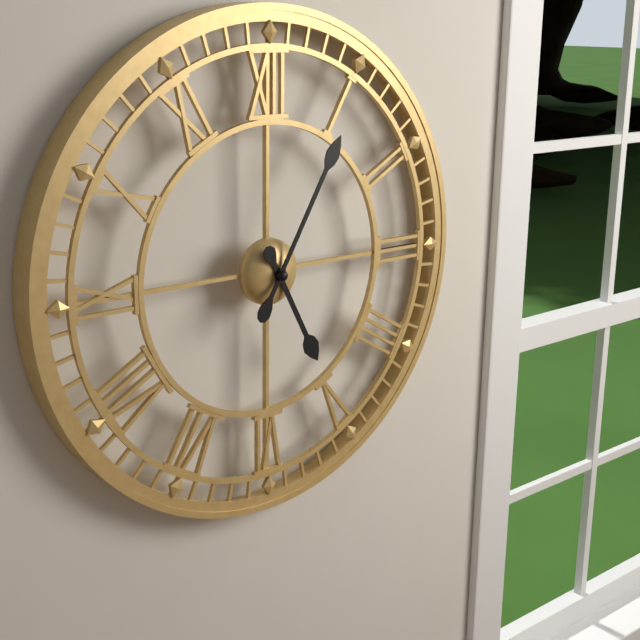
5:05
